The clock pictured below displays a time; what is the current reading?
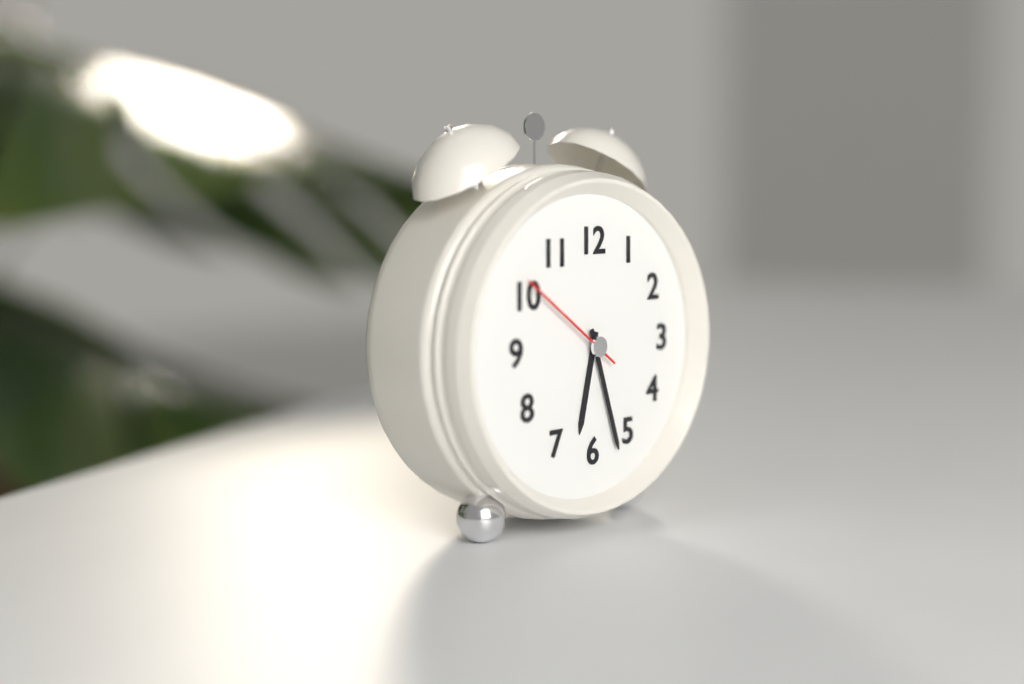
6:27:51
